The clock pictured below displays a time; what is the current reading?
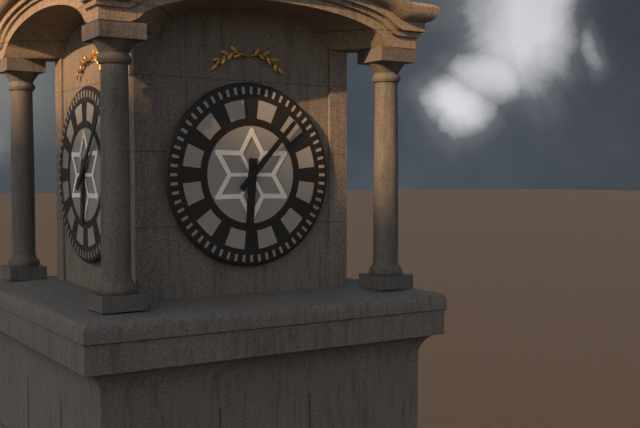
6:07
